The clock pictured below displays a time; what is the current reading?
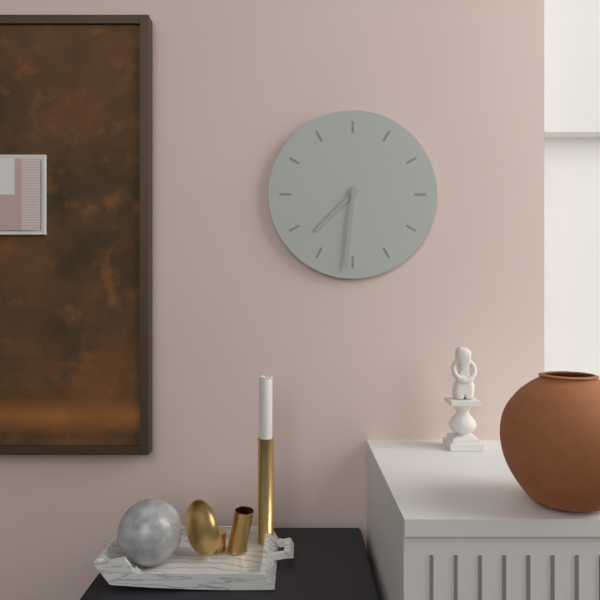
7:31
